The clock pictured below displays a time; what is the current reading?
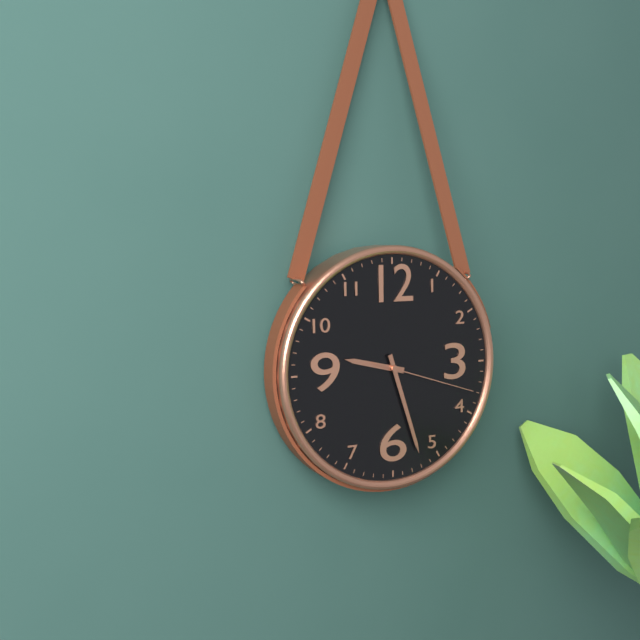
9:27:18
